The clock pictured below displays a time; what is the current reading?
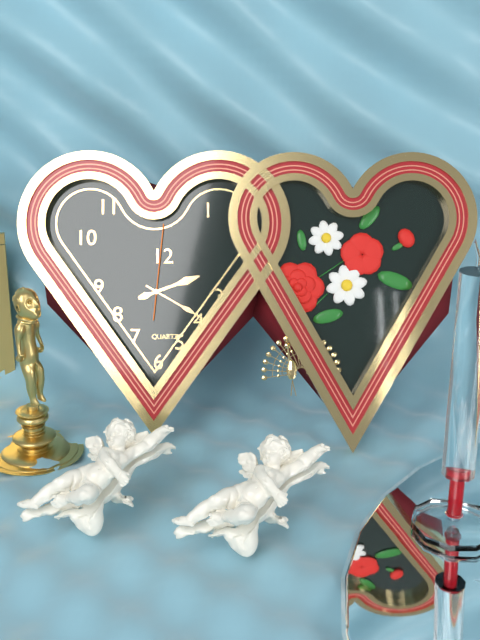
2:20:01
